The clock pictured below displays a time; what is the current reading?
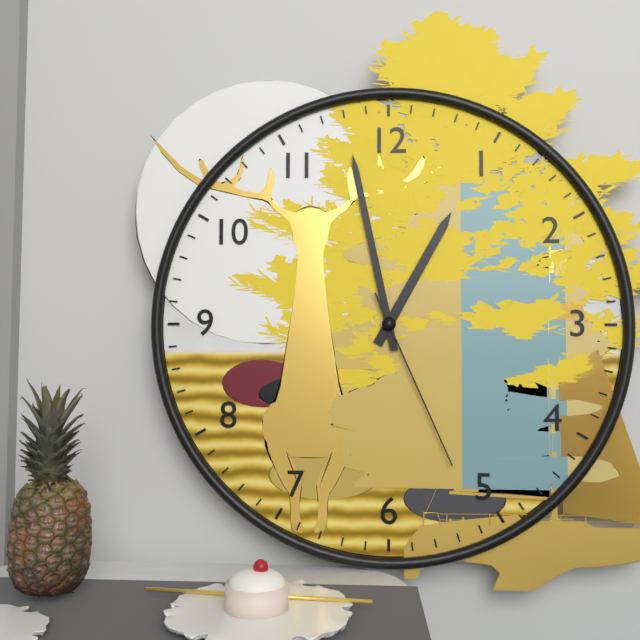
12:58:26
